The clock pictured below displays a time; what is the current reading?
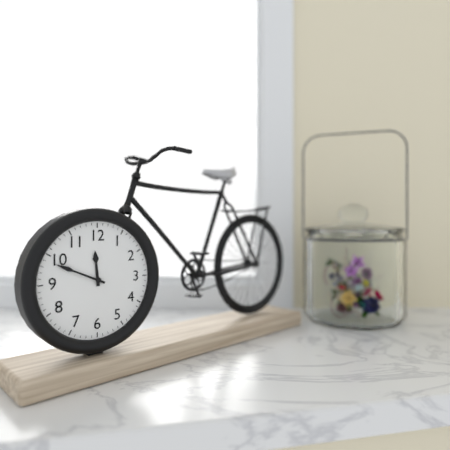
11:49
